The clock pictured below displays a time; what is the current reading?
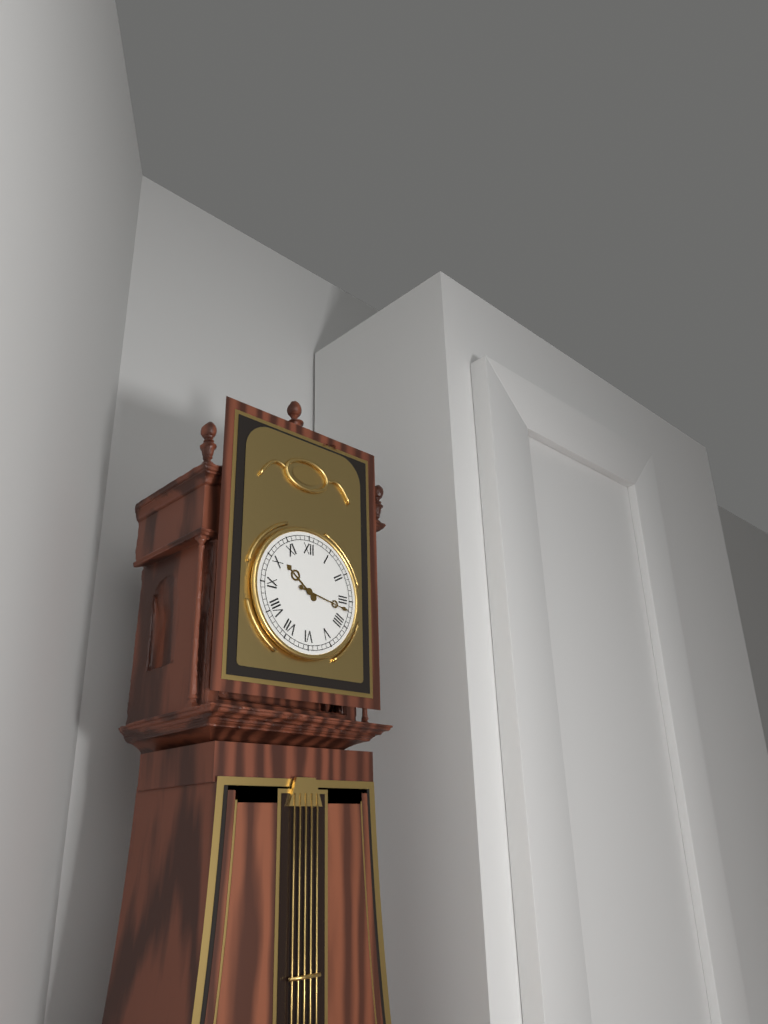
10:17
